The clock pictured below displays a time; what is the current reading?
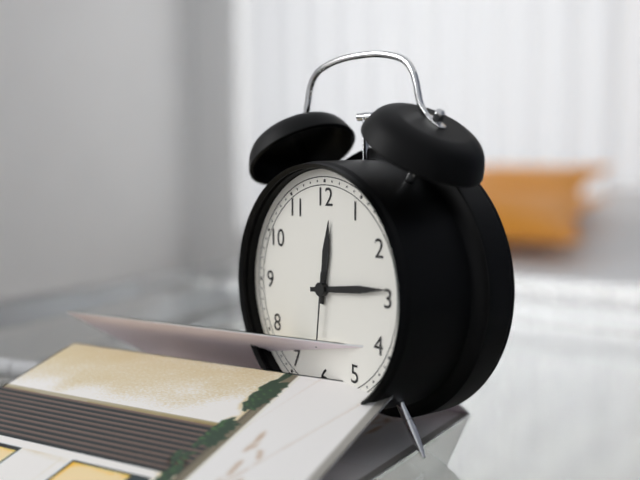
12:14:31
